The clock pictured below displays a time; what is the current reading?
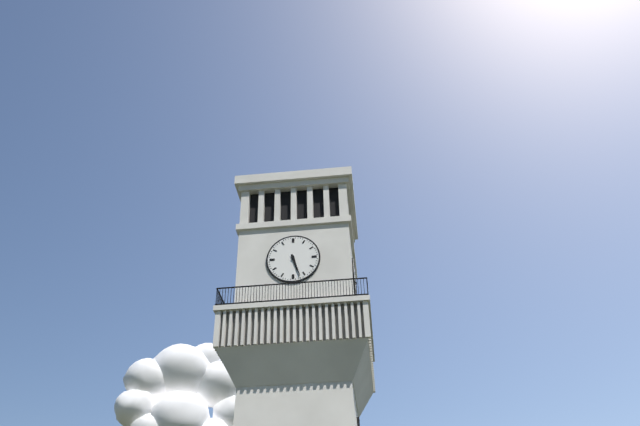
5:27
